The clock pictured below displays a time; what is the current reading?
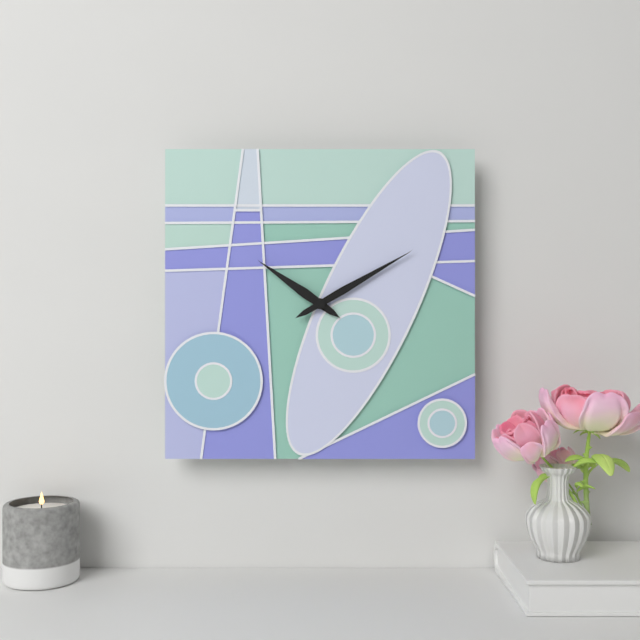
10:10
